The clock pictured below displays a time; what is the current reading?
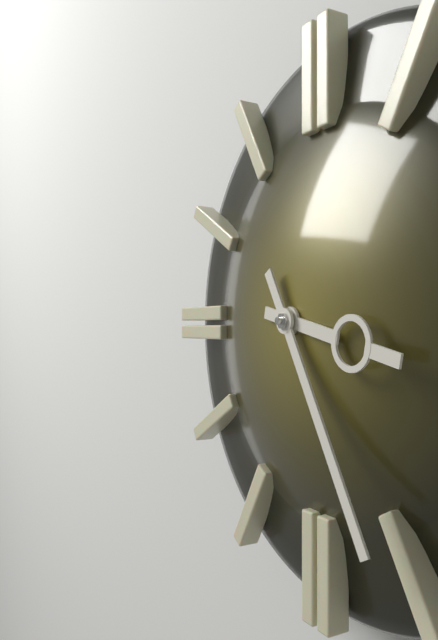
3:25
